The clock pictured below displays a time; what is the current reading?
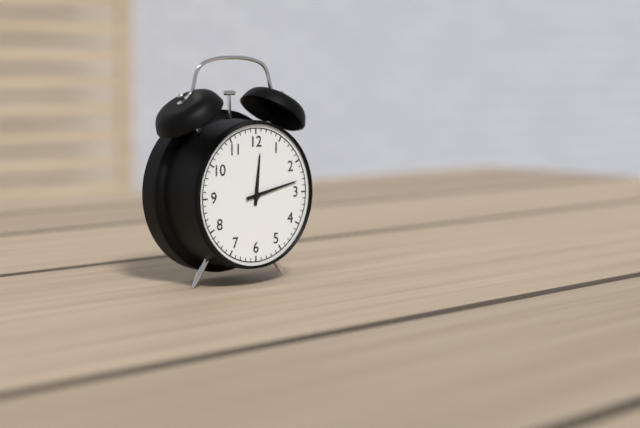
12:13
